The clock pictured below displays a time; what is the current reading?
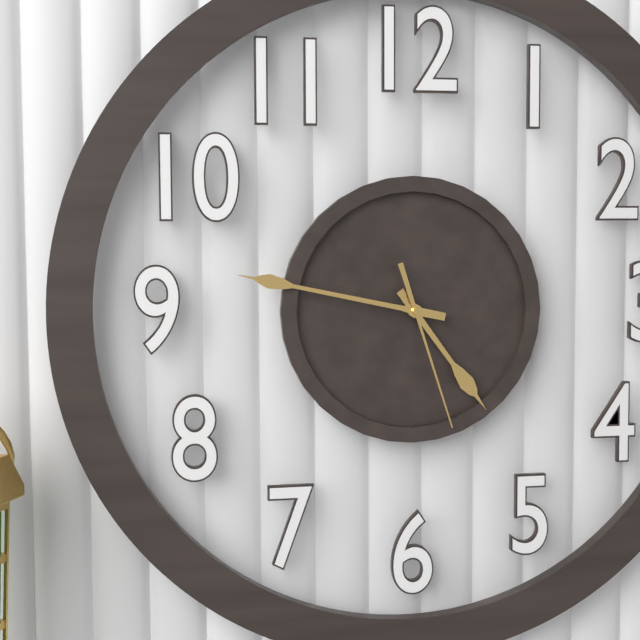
4:47:27
